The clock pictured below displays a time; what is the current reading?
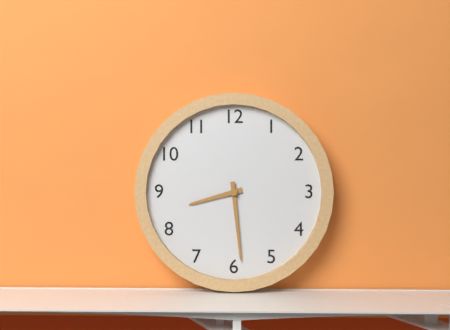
8:29
